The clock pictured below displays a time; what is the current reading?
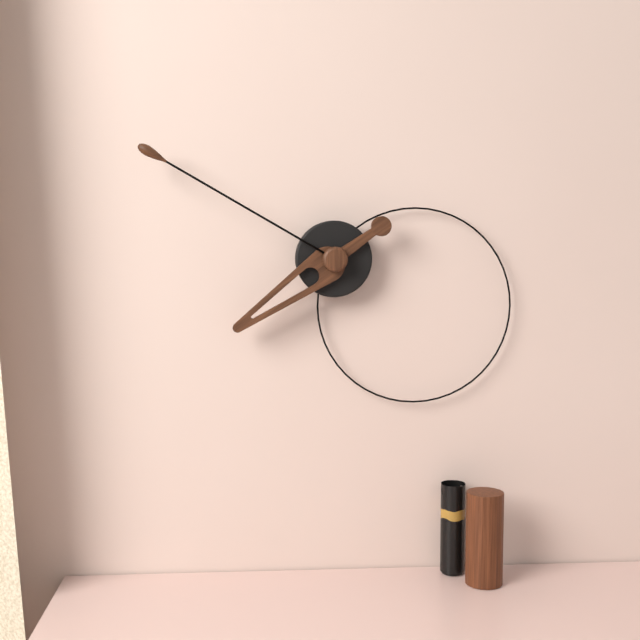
7:50
